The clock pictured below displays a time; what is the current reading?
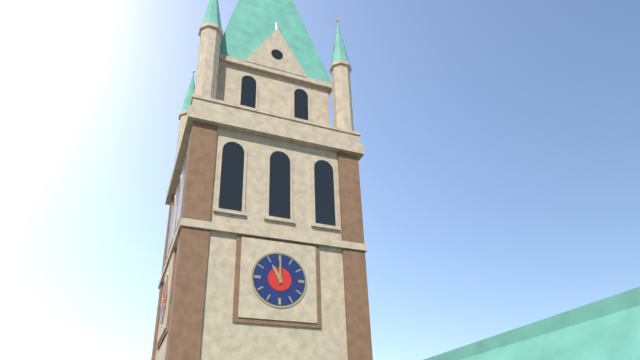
11:00
